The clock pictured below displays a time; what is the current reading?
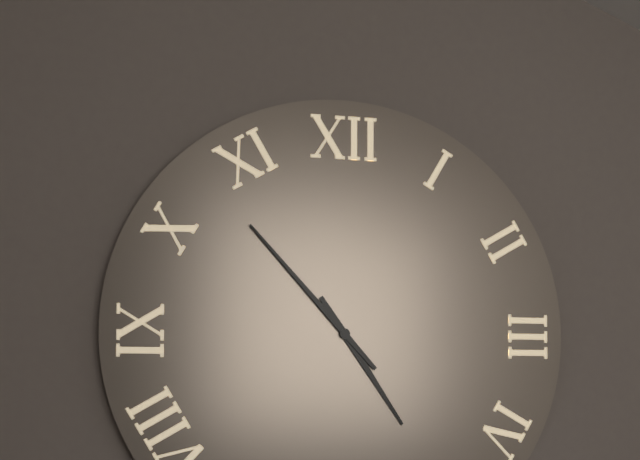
4:53
